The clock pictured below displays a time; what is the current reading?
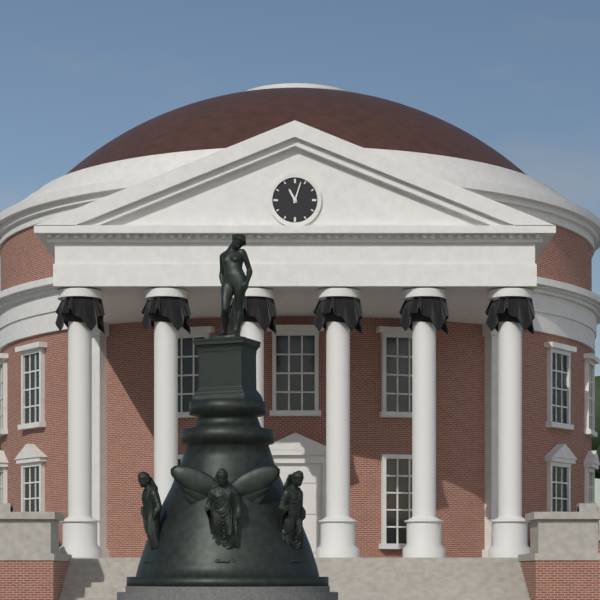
11:03
